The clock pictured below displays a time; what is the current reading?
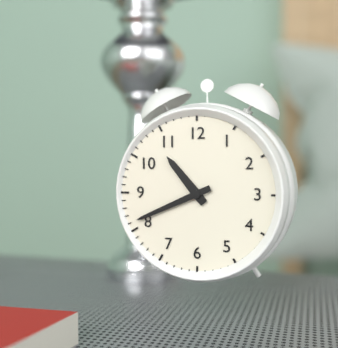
10:41
